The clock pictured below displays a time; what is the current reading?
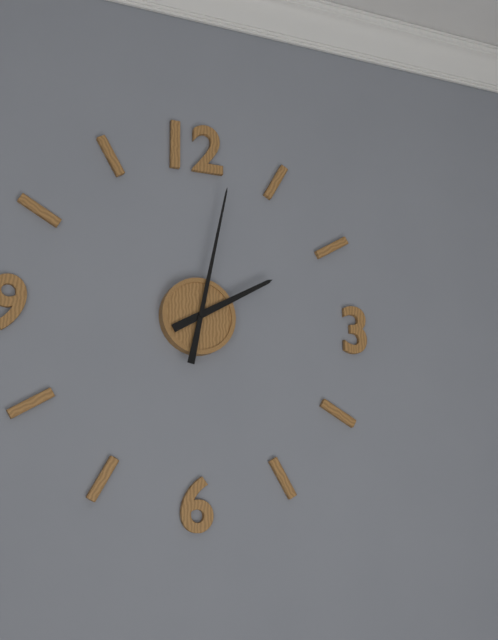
2:02
